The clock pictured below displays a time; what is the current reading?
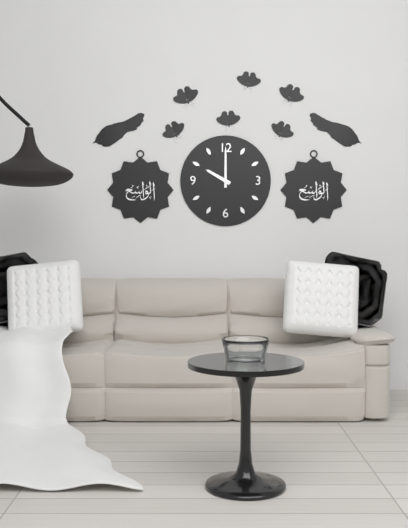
10:00
